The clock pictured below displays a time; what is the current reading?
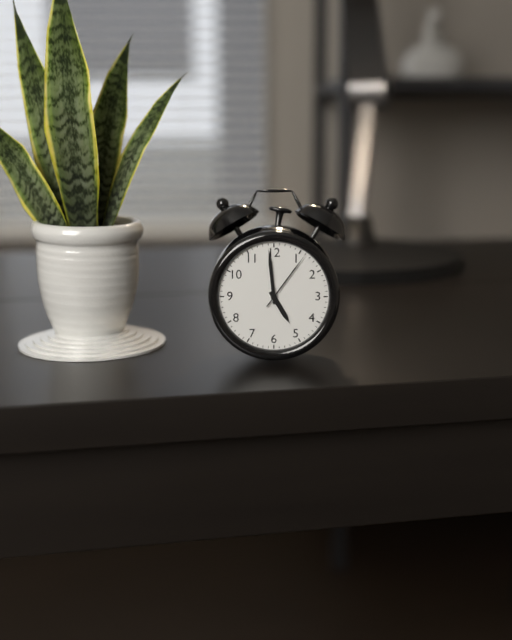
4:59:06
